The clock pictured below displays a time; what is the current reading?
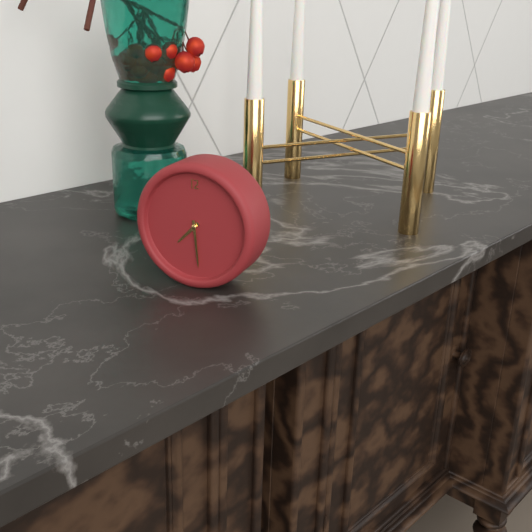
7:29
